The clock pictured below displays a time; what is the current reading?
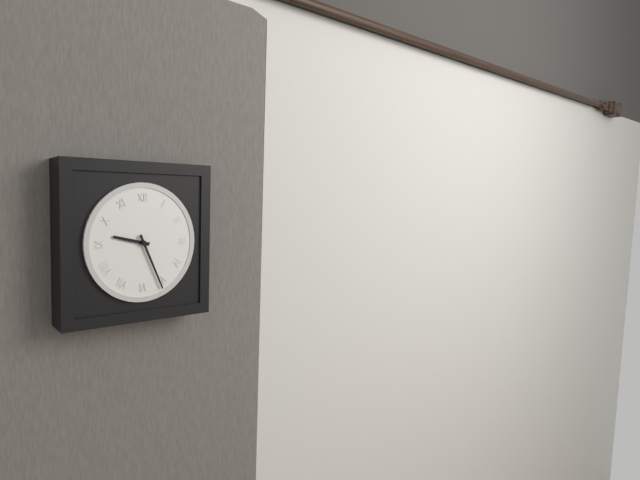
9:26
